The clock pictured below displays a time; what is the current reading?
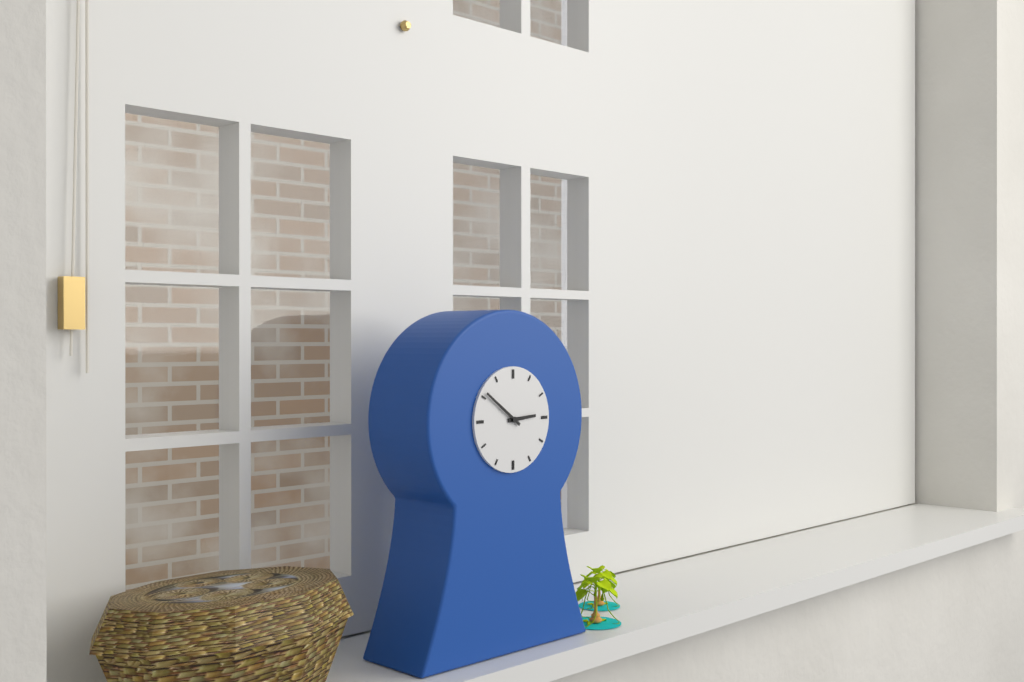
2:51
